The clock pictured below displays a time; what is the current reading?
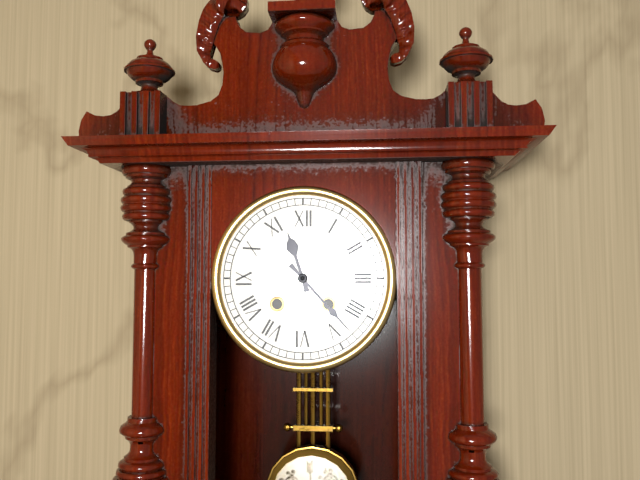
11:23
